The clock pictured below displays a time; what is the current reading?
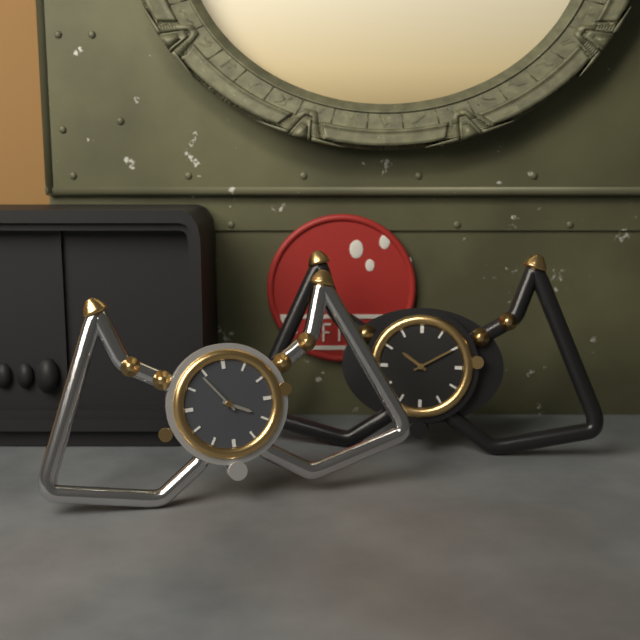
3:54
